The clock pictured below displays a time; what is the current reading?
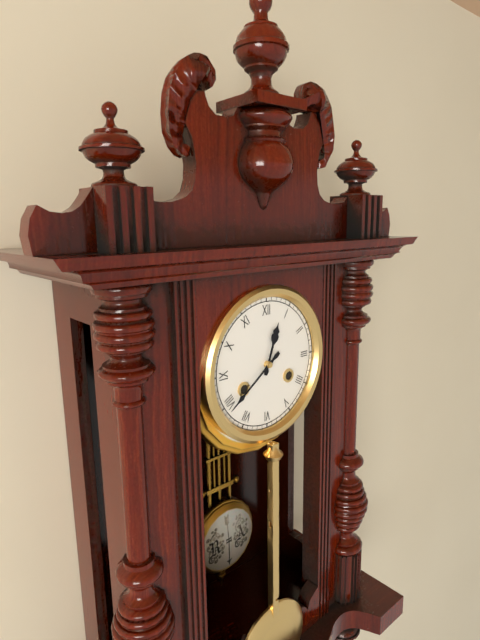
12:39
